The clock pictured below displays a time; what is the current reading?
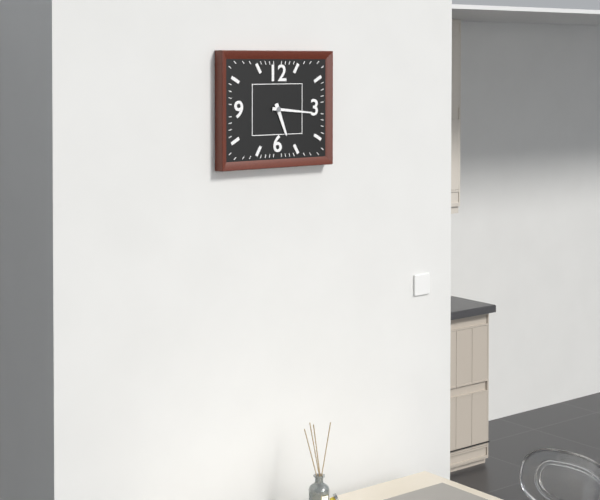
5:16
